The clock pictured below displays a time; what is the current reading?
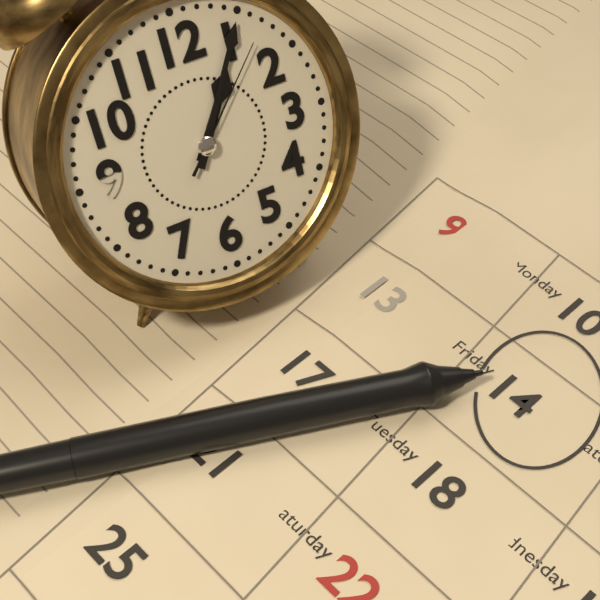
1:05:07
